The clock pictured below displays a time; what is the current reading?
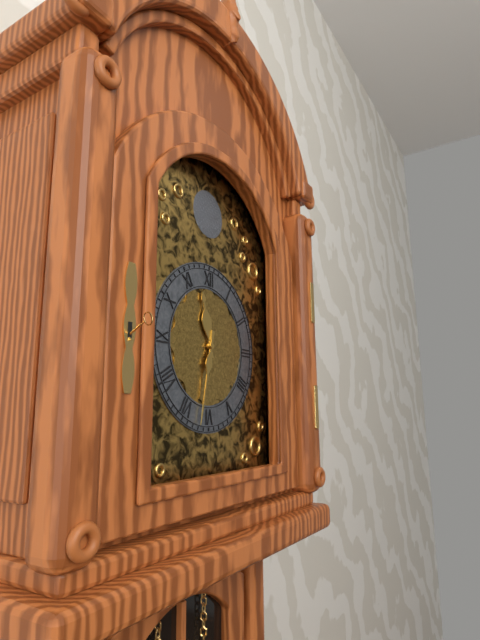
11:32
